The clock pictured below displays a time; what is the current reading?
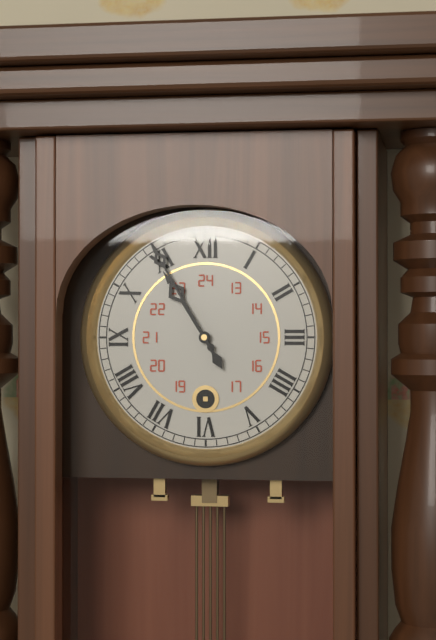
10:55
